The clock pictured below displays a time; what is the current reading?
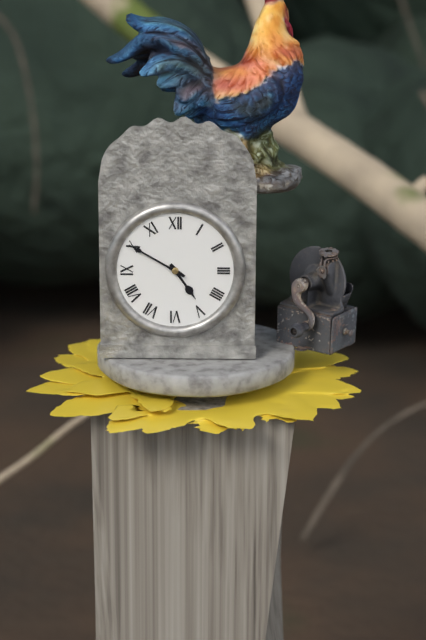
4:50
